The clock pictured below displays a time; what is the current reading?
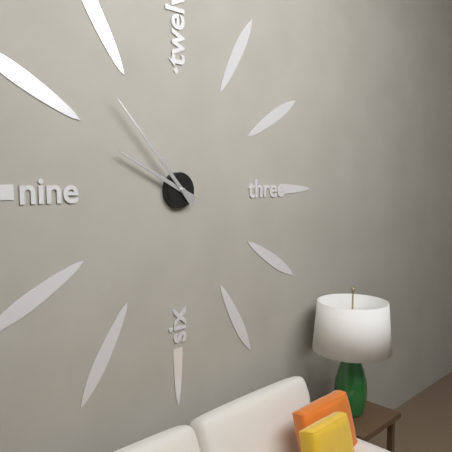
9:53
